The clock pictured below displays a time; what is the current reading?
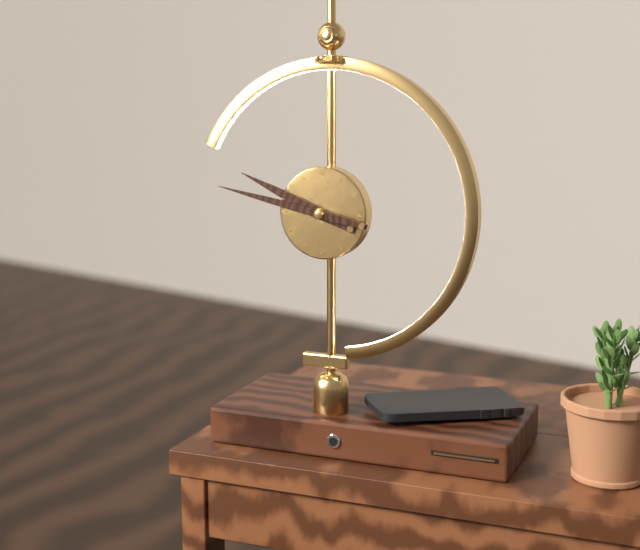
9:47
